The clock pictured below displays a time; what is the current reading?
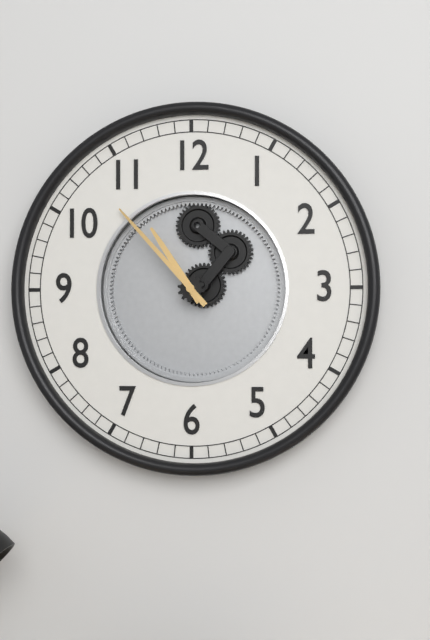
10:53
